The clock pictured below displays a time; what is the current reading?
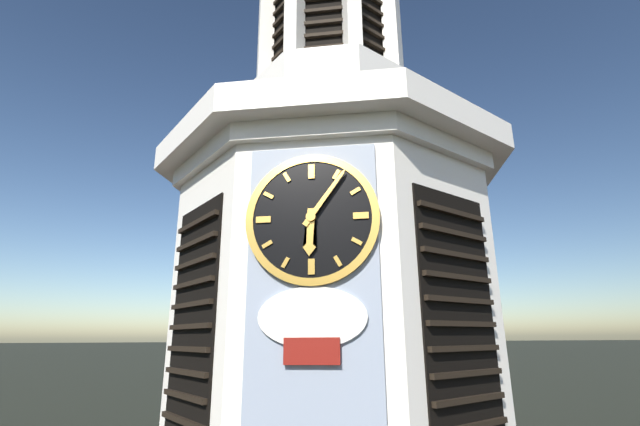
6:06
